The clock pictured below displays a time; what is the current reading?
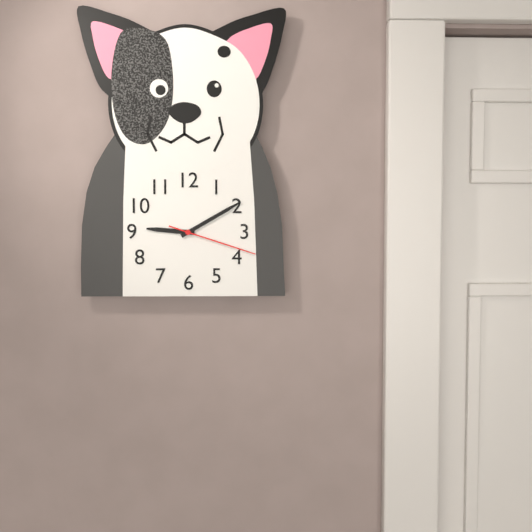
9:10:18
